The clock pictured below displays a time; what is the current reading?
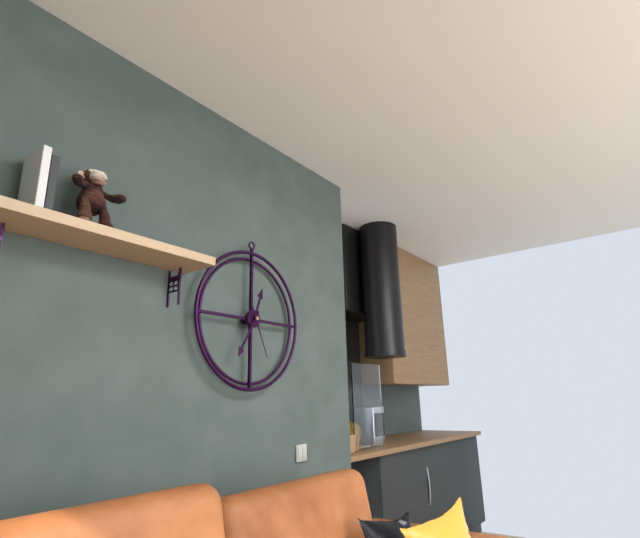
12:35:26
